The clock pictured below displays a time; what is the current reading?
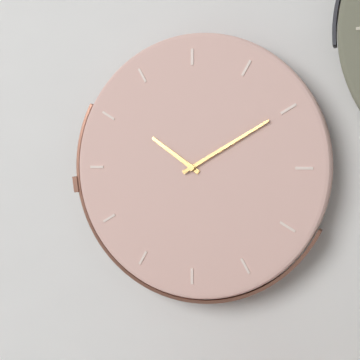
10:10
